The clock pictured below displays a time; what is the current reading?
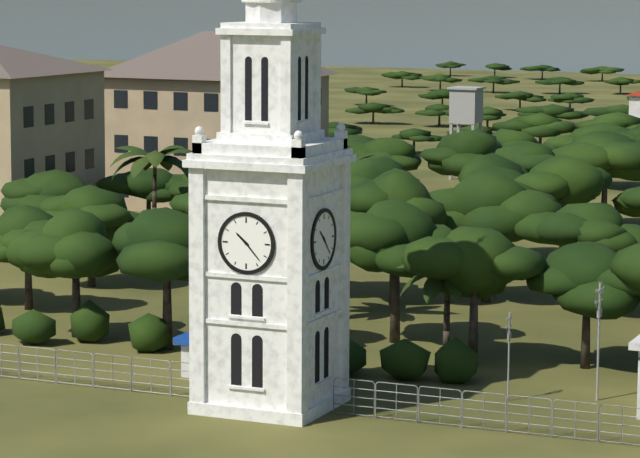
10:23
